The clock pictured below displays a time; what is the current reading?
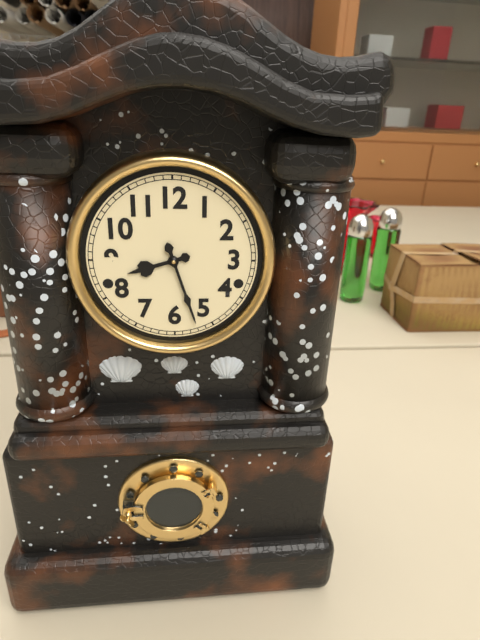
8:27
